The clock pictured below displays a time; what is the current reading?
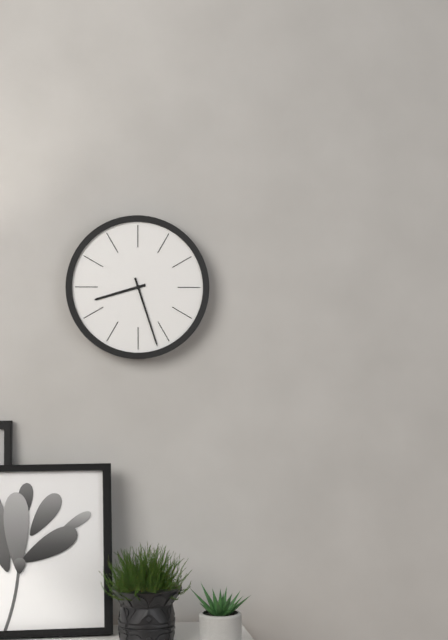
8:27
